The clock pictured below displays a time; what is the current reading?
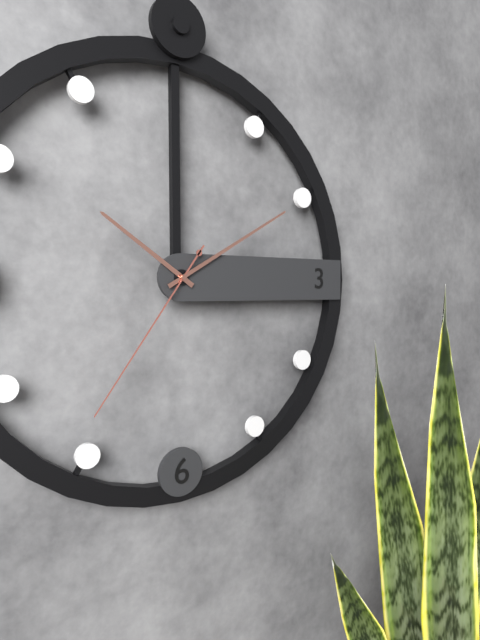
10:10:36
